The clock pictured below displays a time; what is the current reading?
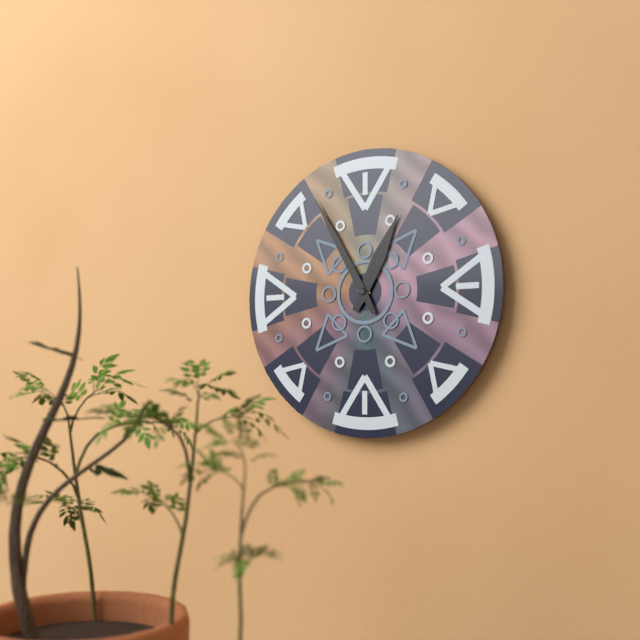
12:55
